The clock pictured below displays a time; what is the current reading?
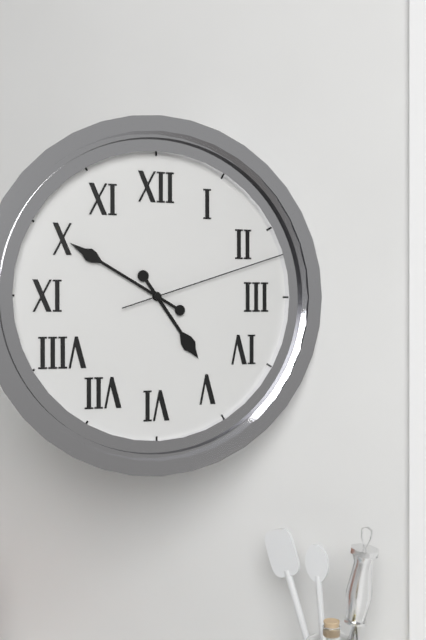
4:50:12
